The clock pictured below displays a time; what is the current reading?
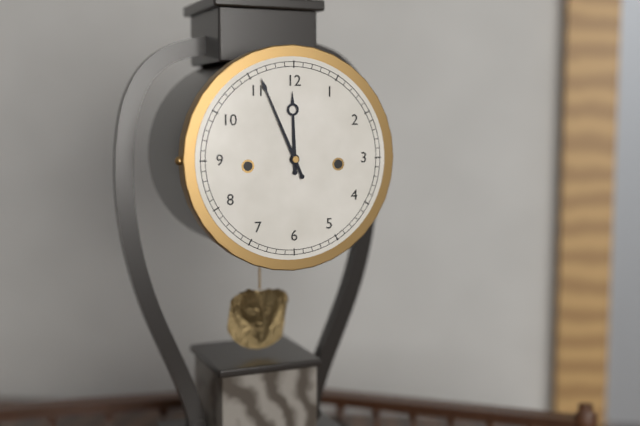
11:56
